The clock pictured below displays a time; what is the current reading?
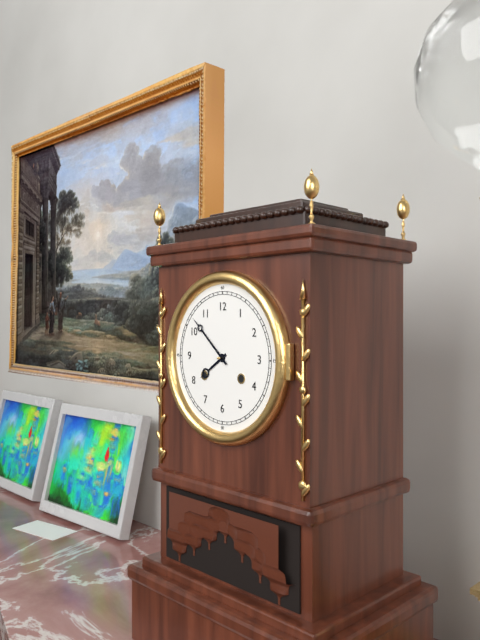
7:52
